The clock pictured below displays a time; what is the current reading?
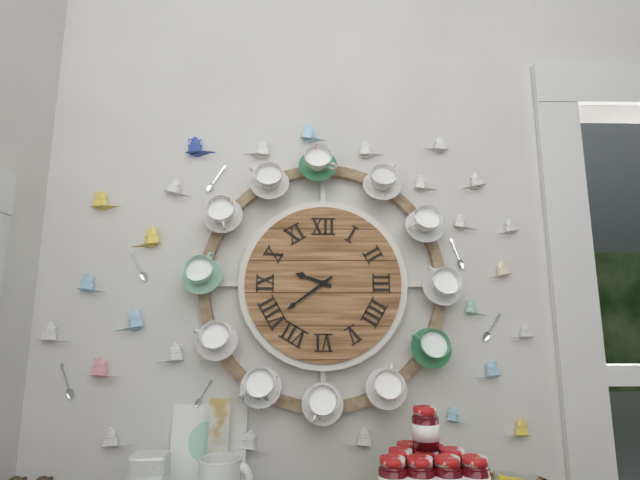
9:39
